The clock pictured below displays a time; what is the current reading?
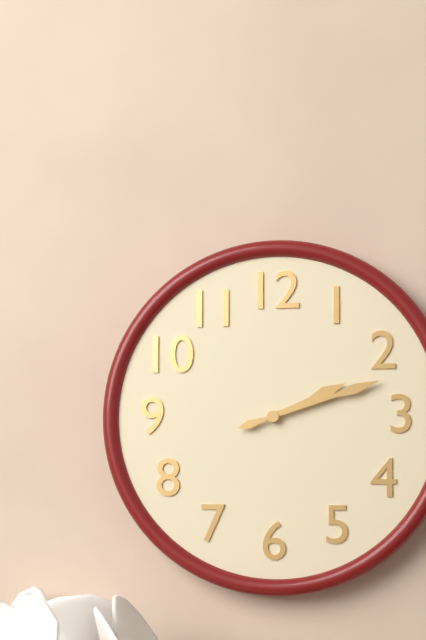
2:12
